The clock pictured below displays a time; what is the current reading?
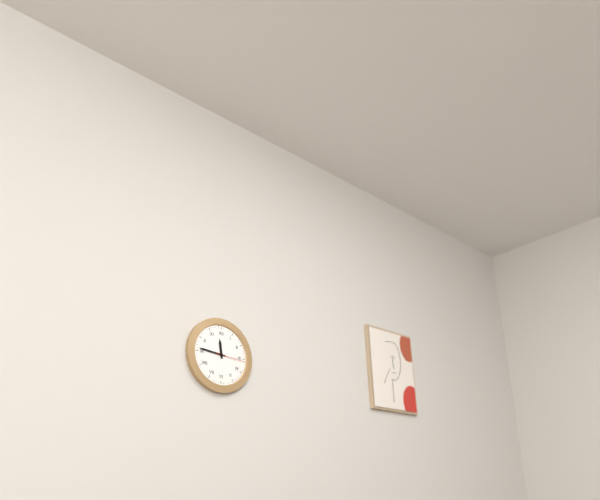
11:46
